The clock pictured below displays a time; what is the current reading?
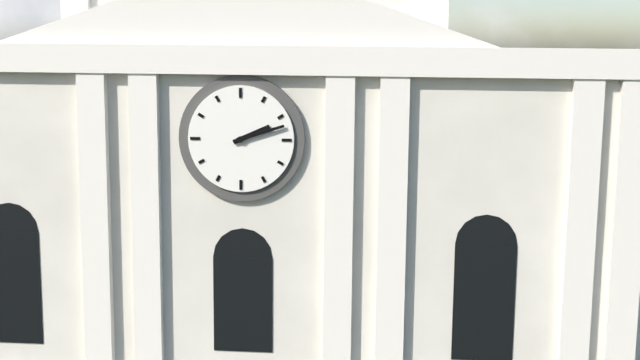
2:12
